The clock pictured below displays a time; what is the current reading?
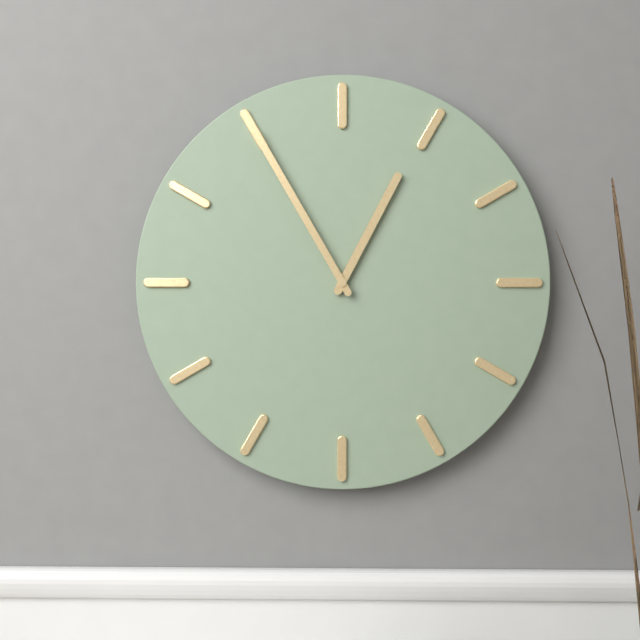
12:55
